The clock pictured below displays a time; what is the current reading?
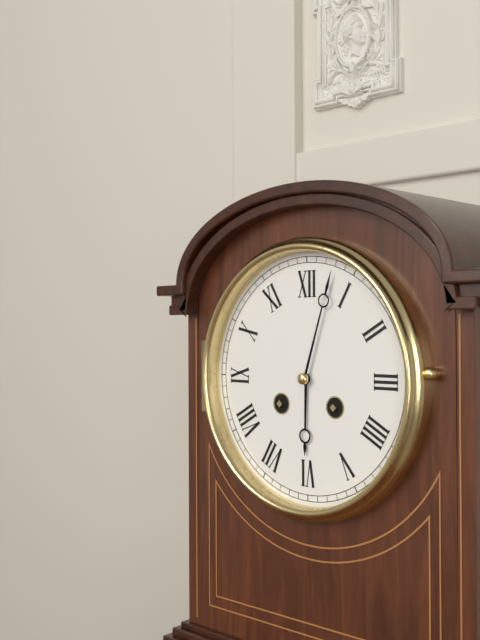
6:03
